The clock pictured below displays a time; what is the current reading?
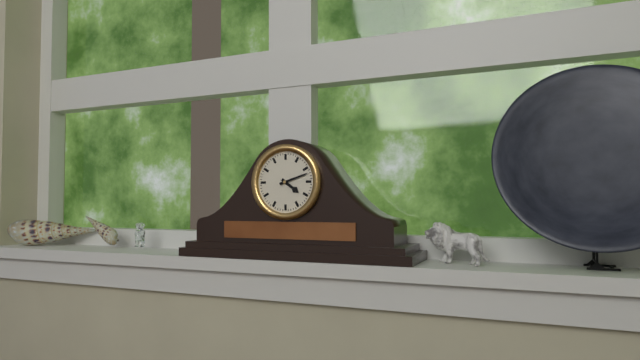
4:12
